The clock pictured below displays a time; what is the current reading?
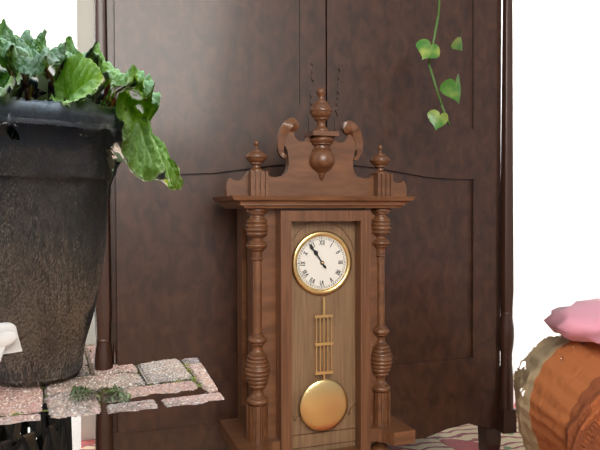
10:54
